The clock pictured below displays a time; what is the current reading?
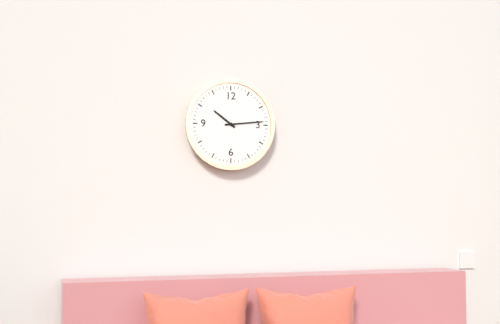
10:14
